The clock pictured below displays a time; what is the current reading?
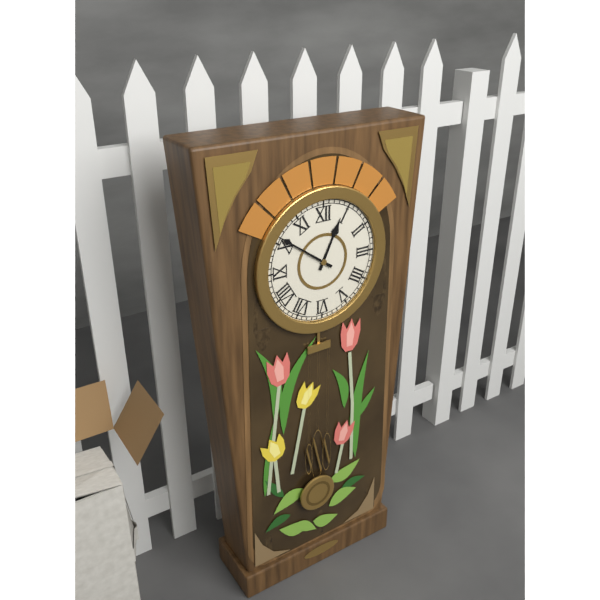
12:51
